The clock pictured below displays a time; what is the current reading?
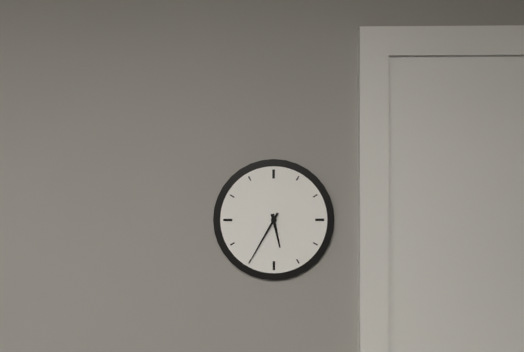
5:35
